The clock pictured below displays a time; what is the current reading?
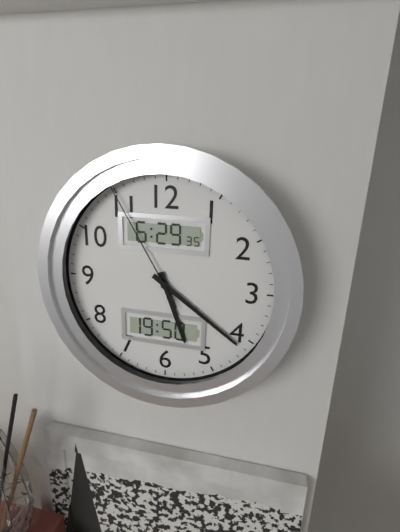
5:21:55
